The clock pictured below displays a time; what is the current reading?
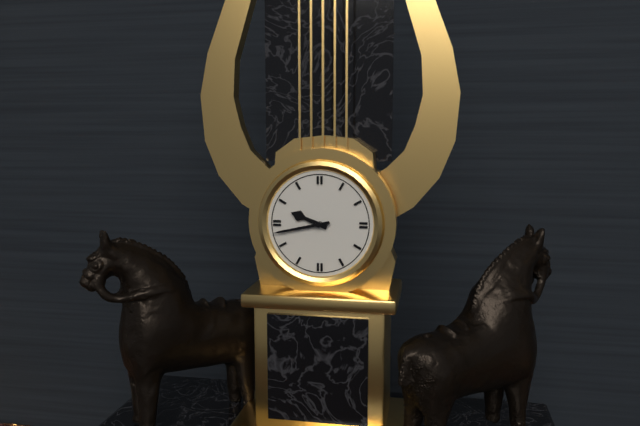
9:43
